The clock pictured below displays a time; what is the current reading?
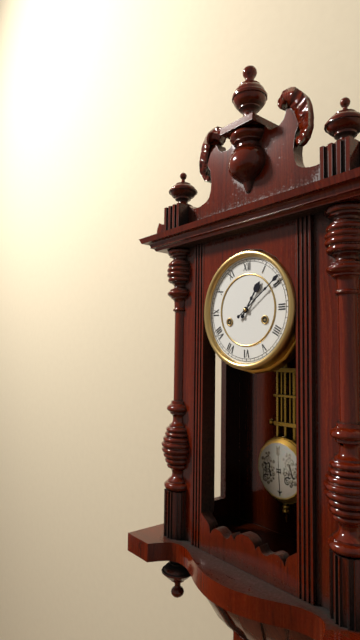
1:09
